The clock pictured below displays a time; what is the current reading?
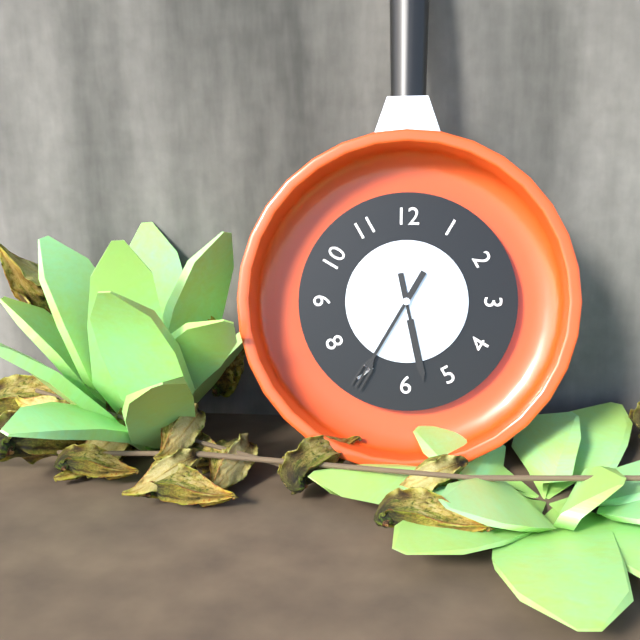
5:35
